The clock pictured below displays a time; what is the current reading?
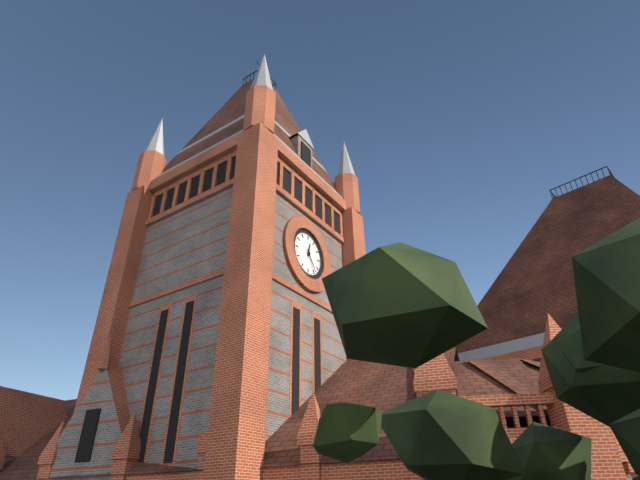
12:24
